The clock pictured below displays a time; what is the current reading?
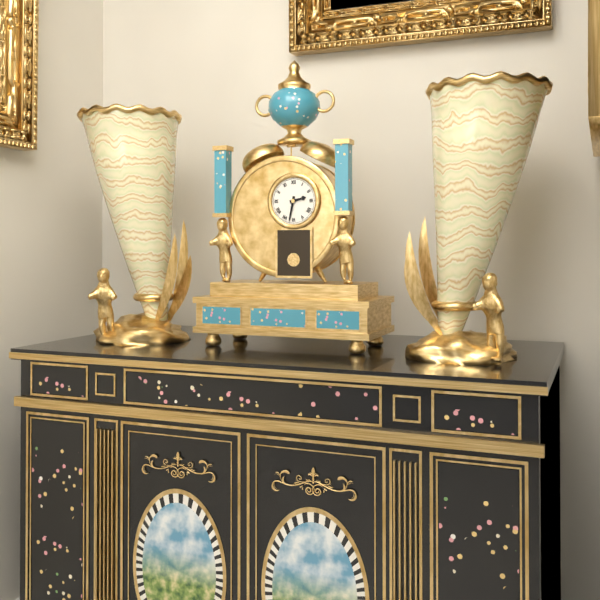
2:32
